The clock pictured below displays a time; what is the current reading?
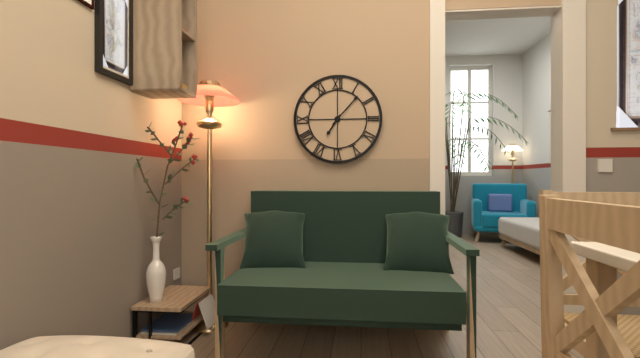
7:07
